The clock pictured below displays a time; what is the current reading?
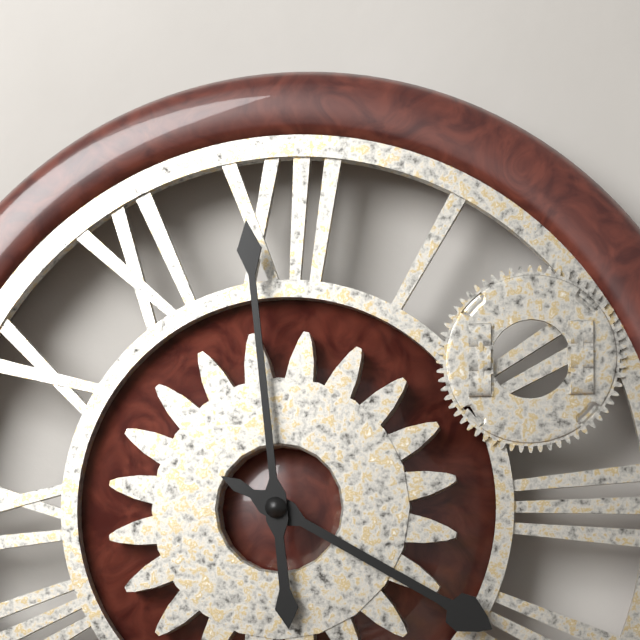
3:59
